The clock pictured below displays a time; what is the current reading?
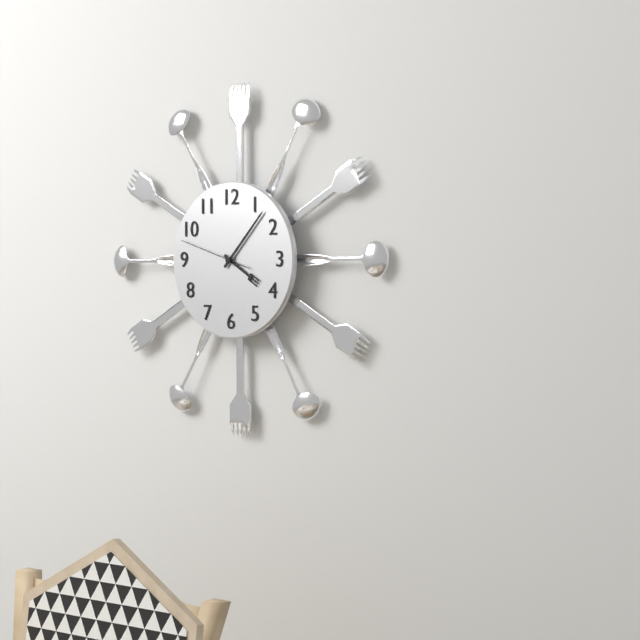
4:07:48
